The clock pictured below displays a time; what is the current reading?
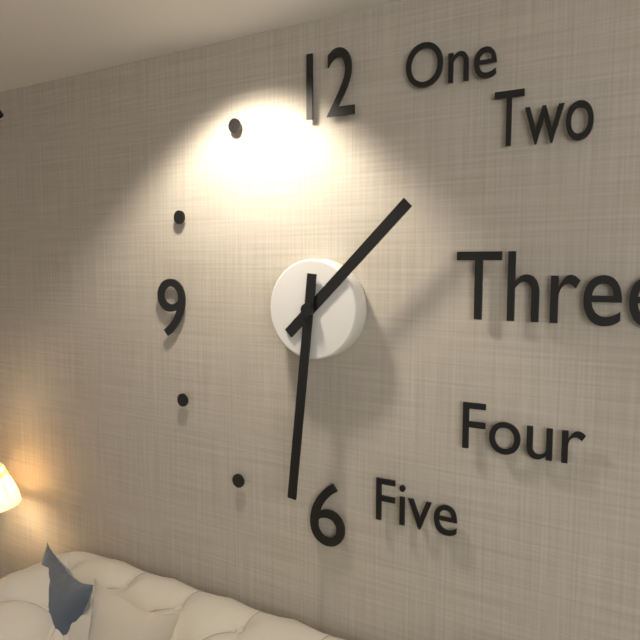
1:31
